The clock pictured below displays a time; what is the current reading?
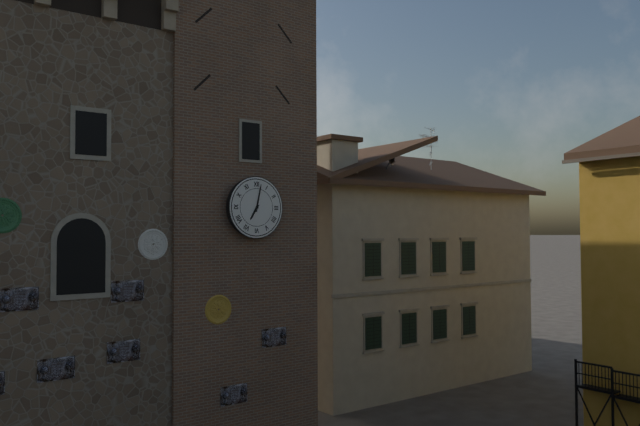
7:02
